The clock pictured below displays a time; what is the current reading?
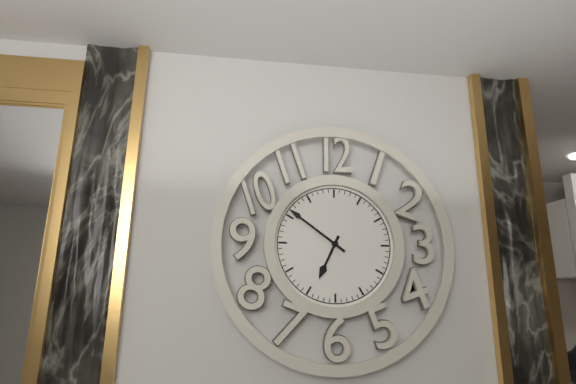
6:51
